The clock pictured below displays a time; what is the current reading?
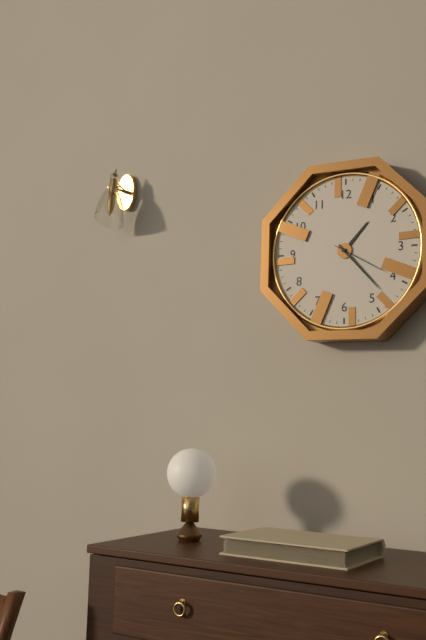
1:23:20
